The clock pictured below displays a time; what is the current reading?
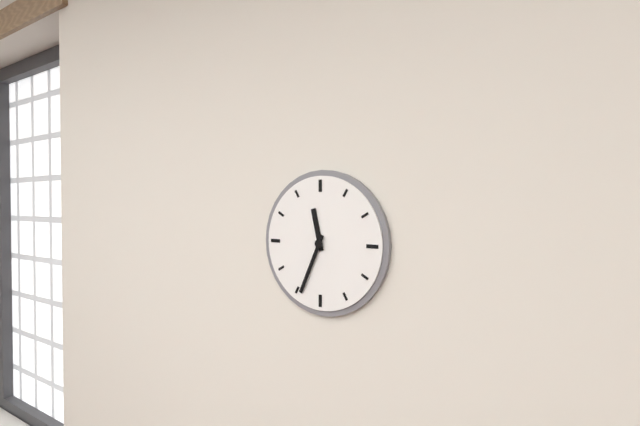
11:34
